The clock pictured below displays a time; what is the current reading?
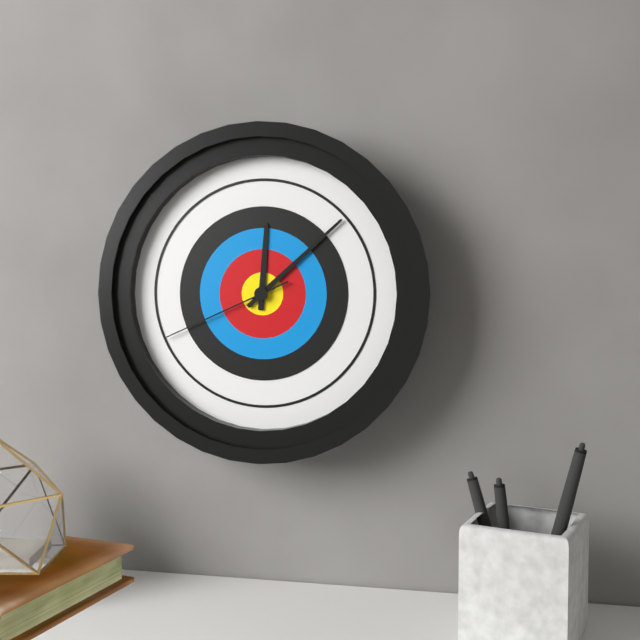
12:08:41
